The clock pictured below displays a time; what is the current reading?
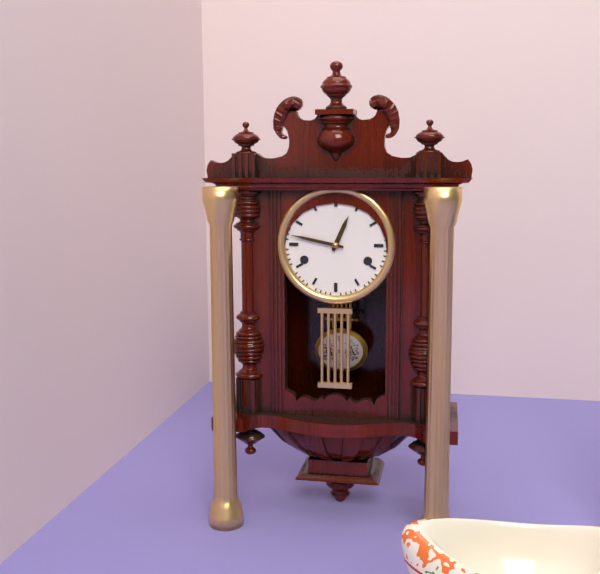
12:47
